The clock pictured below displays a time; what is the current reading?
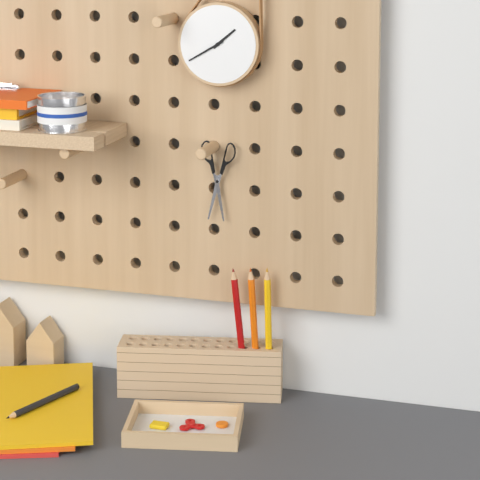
1:40
